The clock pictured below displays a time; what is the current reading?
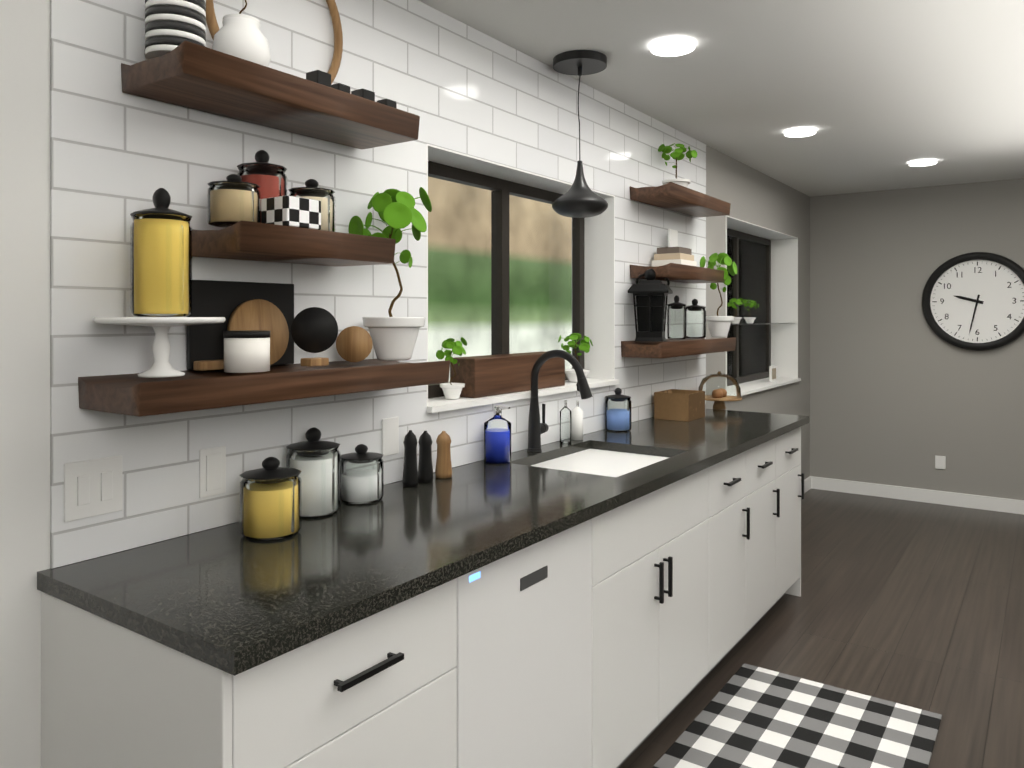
9:32
